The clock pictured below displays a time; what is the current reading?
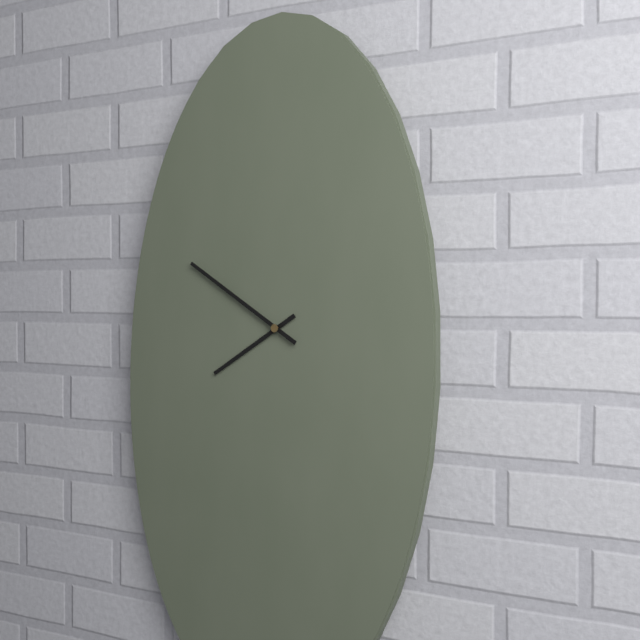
7:50
